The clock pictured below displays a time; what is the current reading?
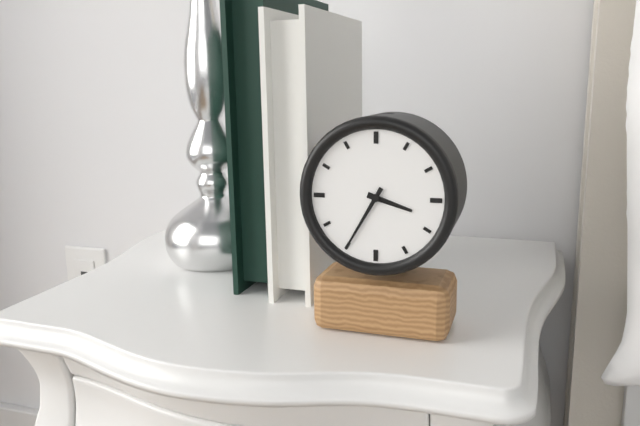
3:35
